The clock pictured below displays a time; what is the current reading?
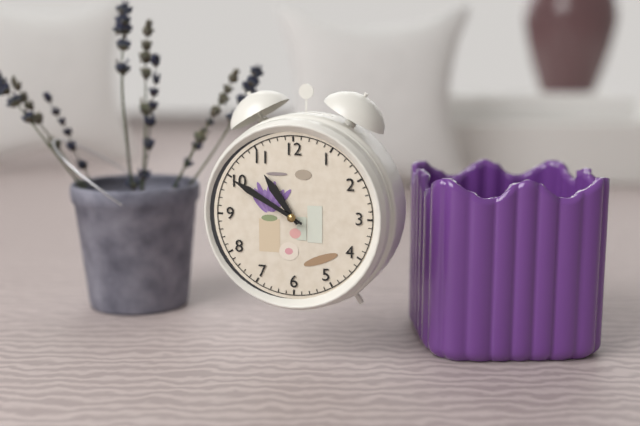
10:50
